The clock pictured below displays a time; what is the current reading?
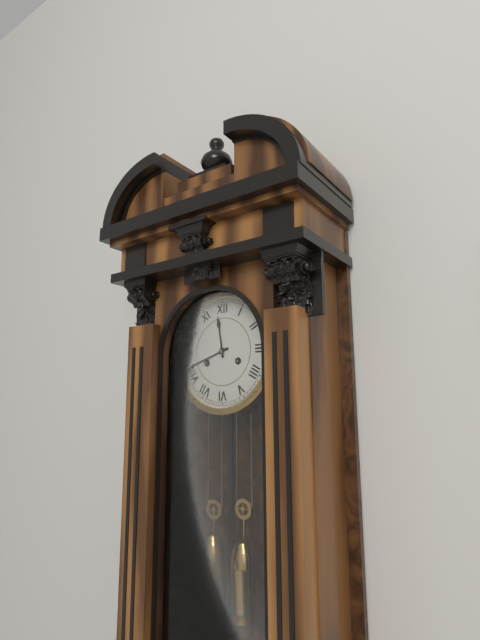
11:42
